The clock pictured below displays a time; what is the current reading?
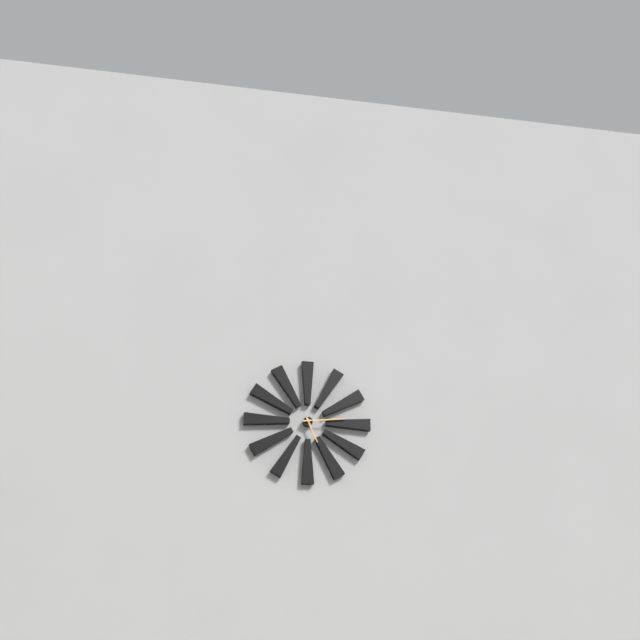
5:14
